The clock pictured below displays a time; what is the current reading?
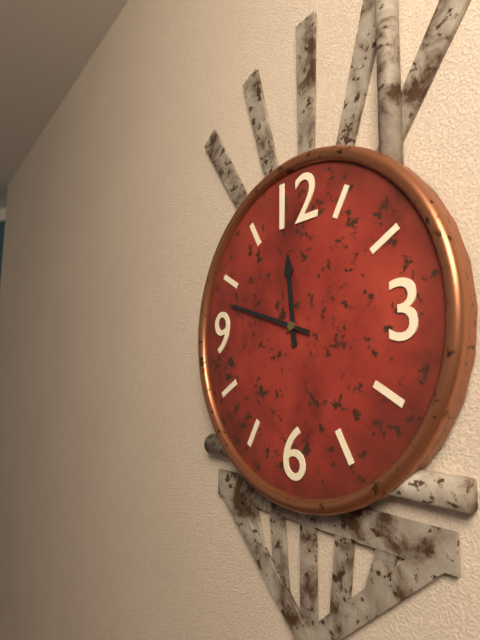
11:48
